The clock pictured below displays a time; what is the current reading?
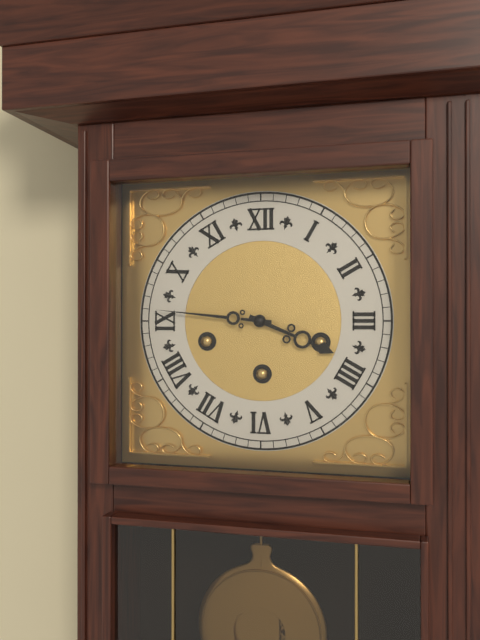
3:46
